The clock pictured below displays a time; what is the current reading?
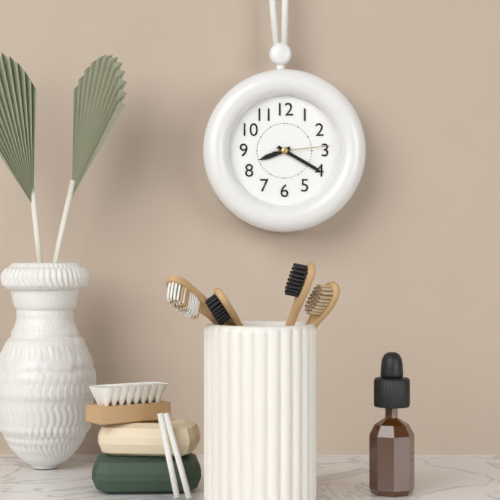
8:20:14
